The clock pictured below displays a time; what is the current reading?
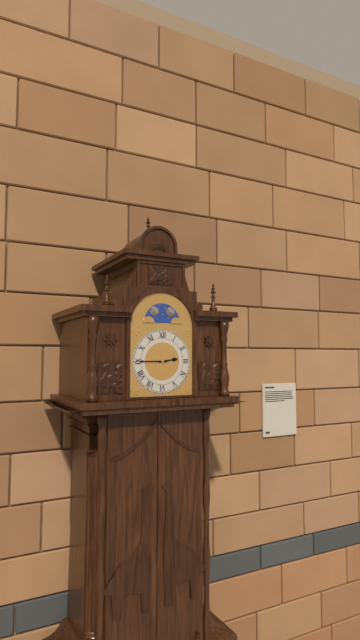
2:45
